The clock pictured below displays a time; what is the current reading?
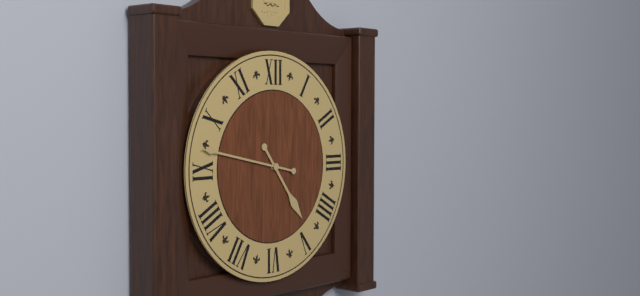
4:47
